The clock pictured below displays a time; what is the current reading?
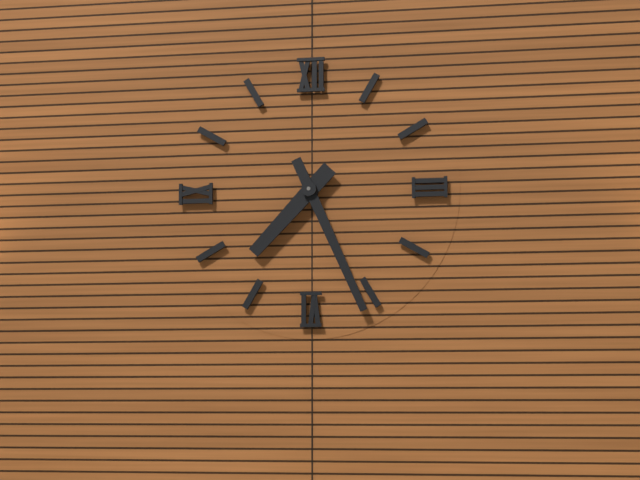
7:26
